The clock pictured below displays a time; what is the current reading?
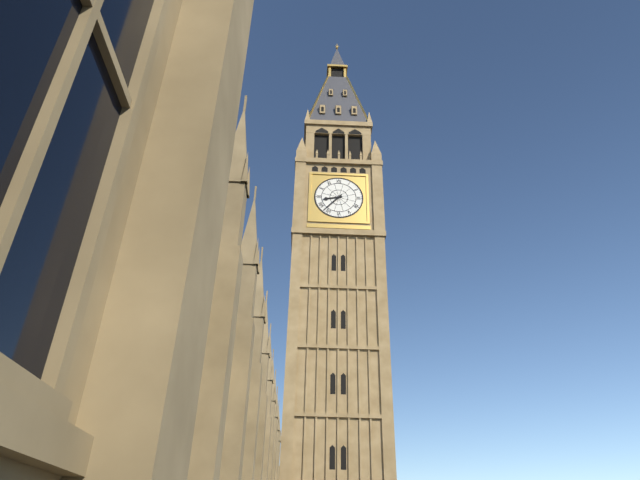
8:37
